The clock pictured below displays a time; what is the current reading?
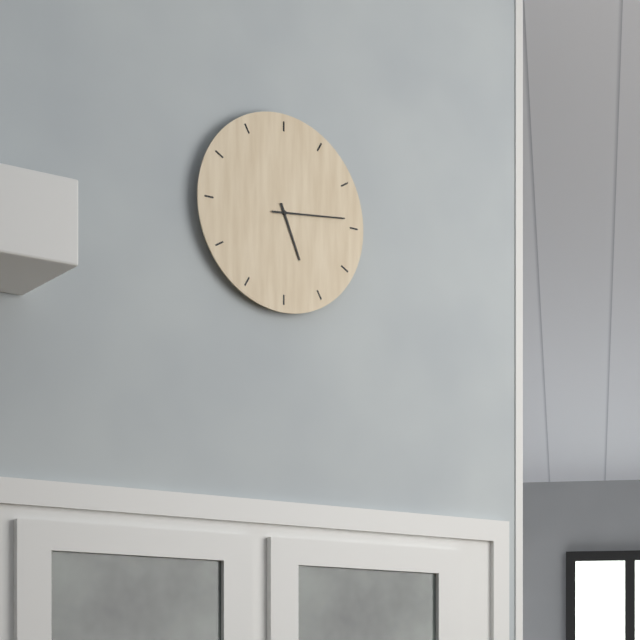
5:14
